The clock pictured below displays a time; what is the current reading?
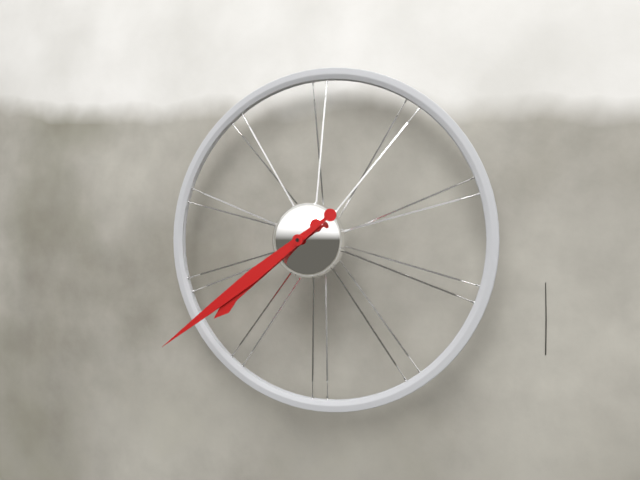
7:39
